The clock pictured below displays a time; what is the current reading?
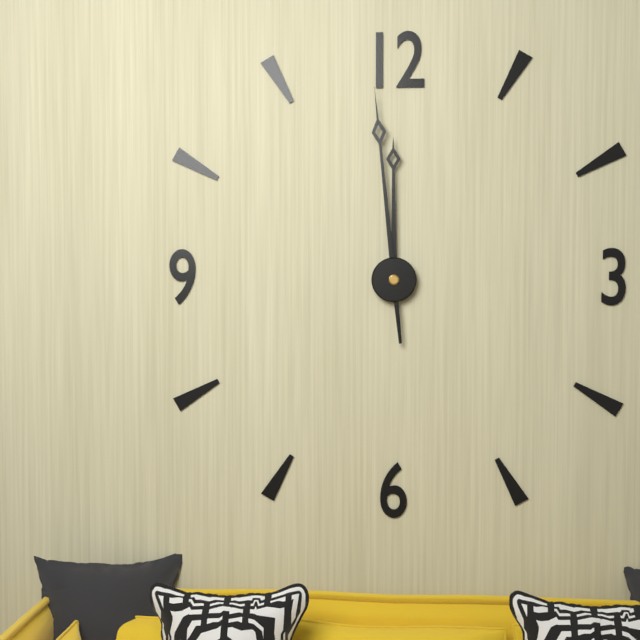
11:59
